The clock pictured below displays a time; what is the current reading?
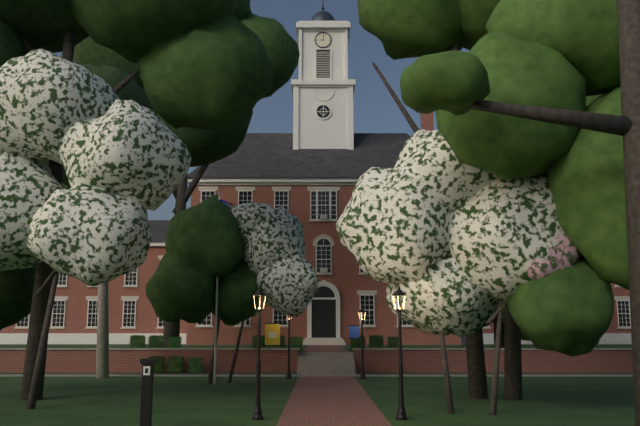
9:01
